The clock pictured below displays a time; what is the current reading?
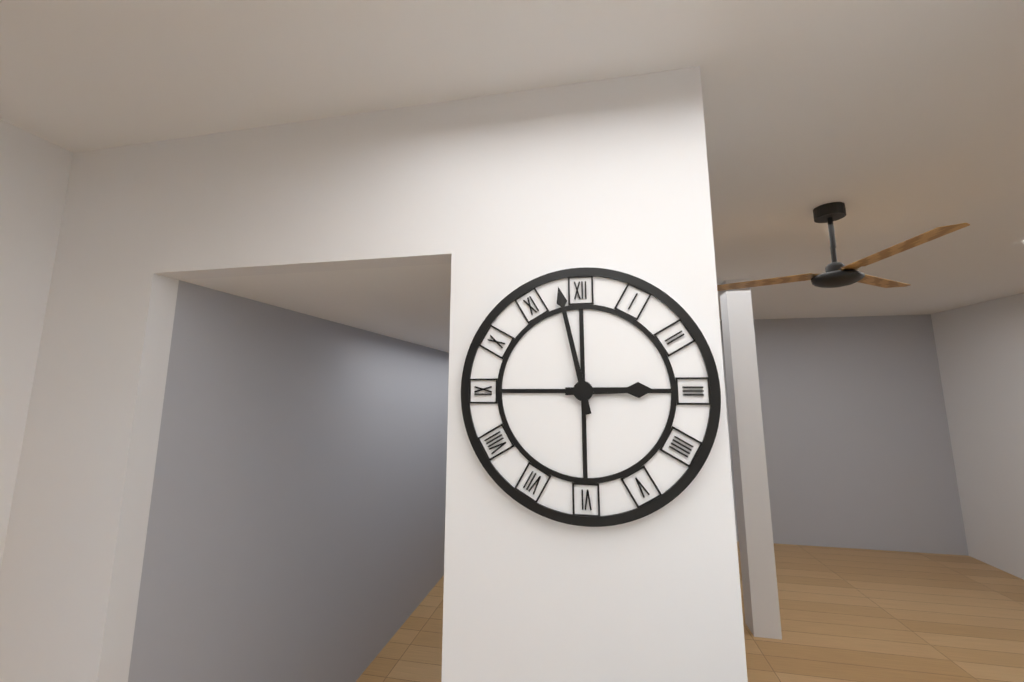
2:58
